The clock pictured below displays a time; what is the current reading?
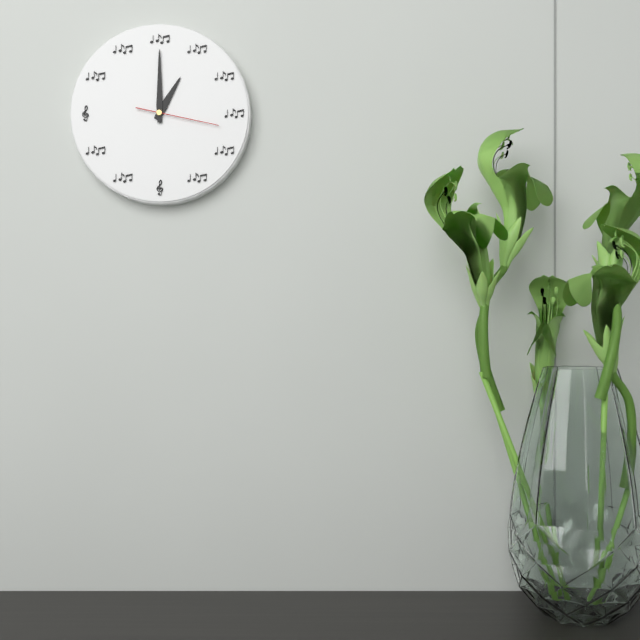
1:00:17
